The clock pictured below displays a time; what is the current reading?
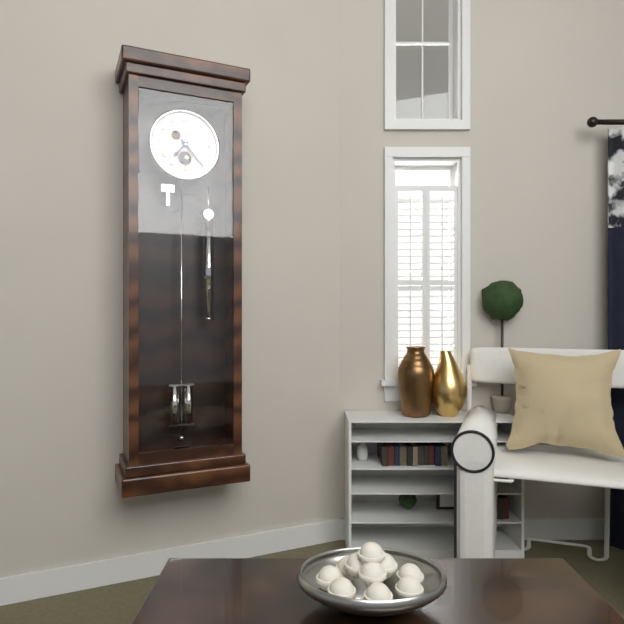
7:23
